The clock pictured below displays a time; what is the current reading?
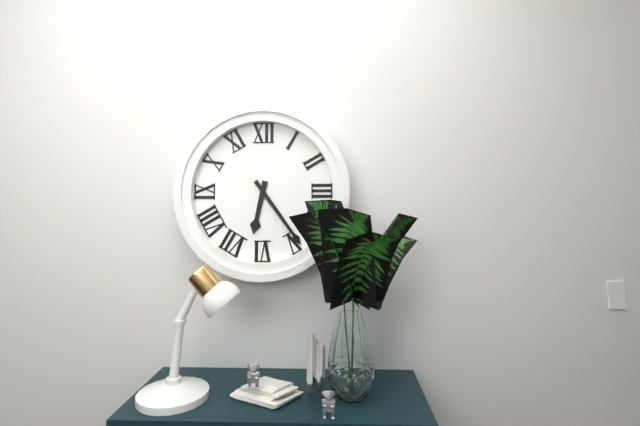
6:24
